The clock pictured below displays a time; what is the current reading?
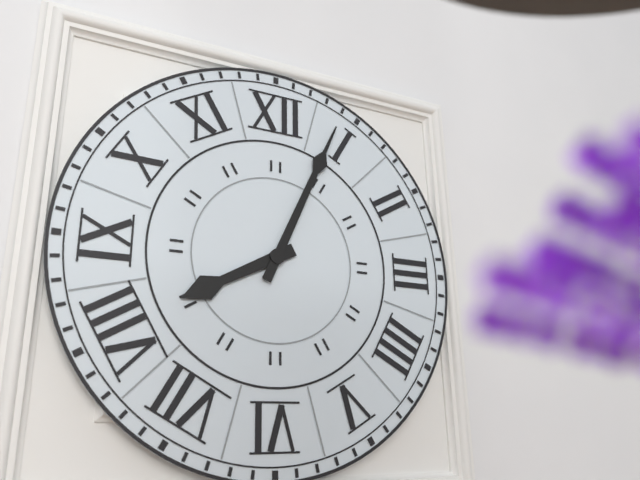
8:04
